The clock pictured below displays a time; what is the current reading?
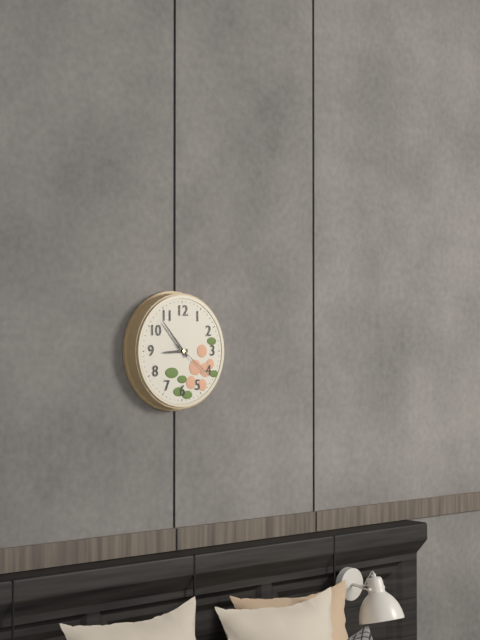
8:53
